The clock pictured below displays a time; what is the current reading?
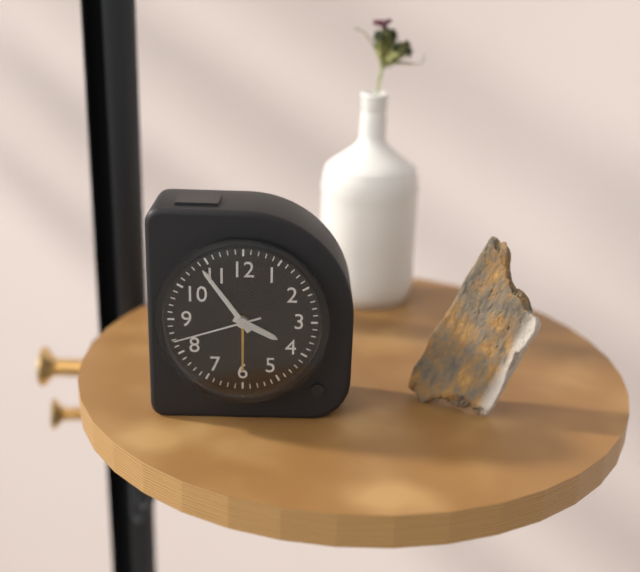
3:54:42
